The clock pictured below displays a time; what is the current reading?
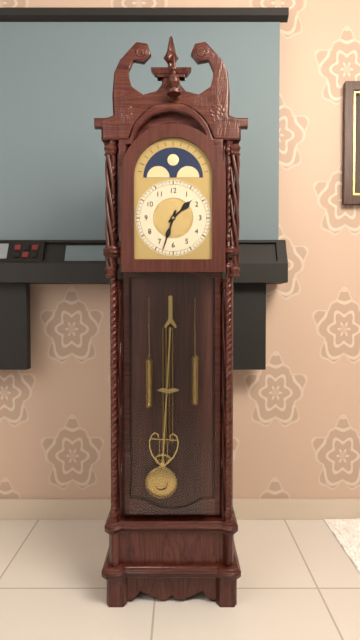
1:33
